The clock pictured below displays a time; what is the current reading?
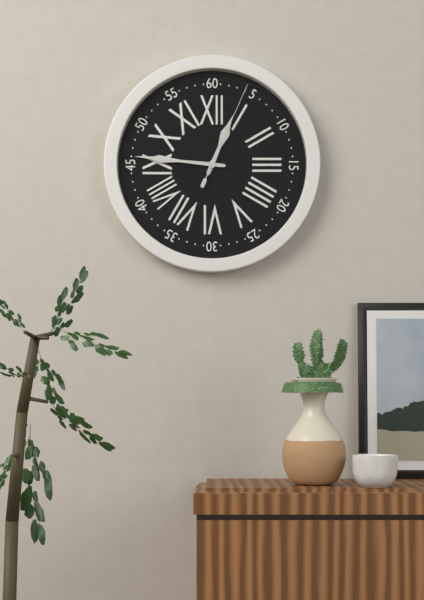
12:46:04
